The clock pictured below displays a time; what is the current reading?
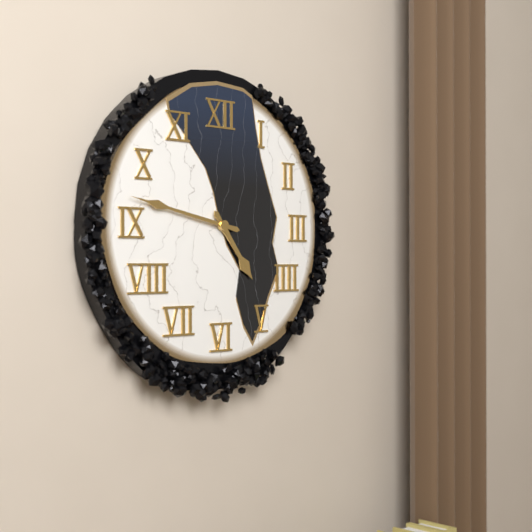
4:47
